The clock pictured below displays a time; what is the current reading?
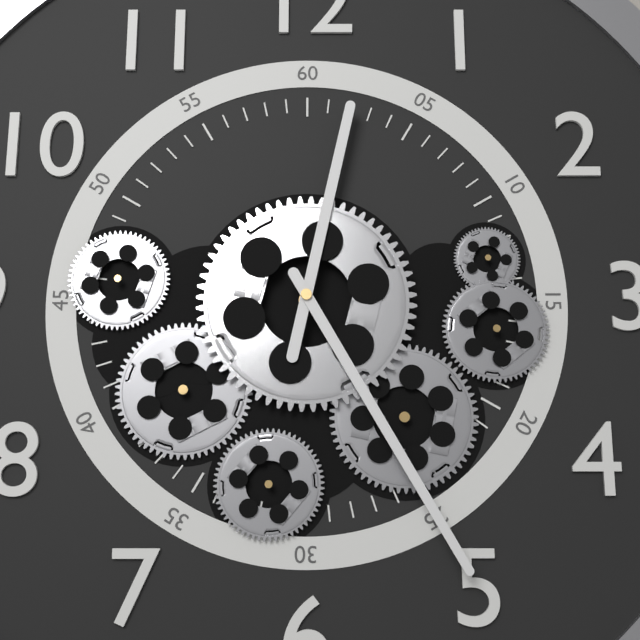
12:25
